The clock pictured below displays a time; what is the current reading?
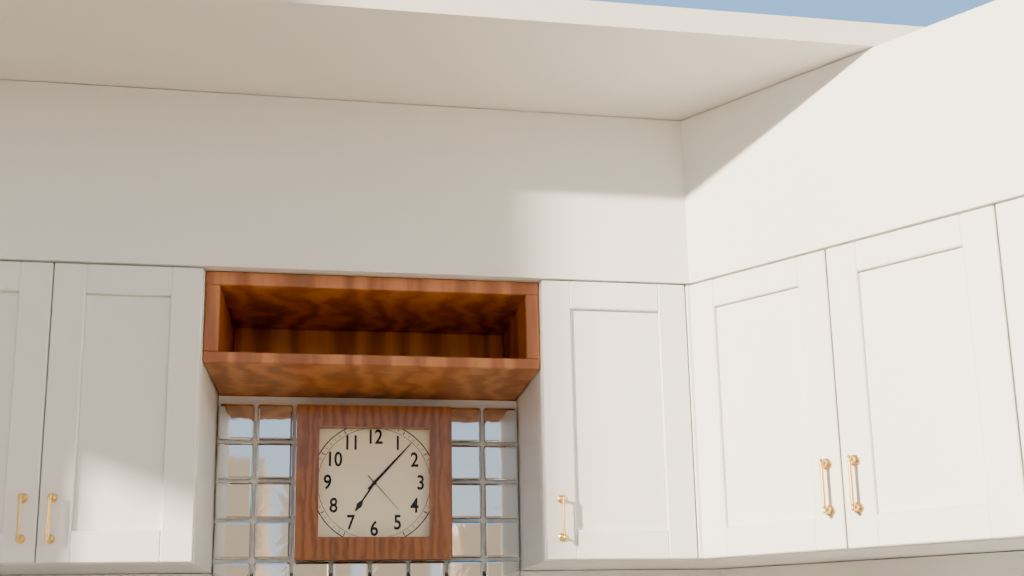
7:07
